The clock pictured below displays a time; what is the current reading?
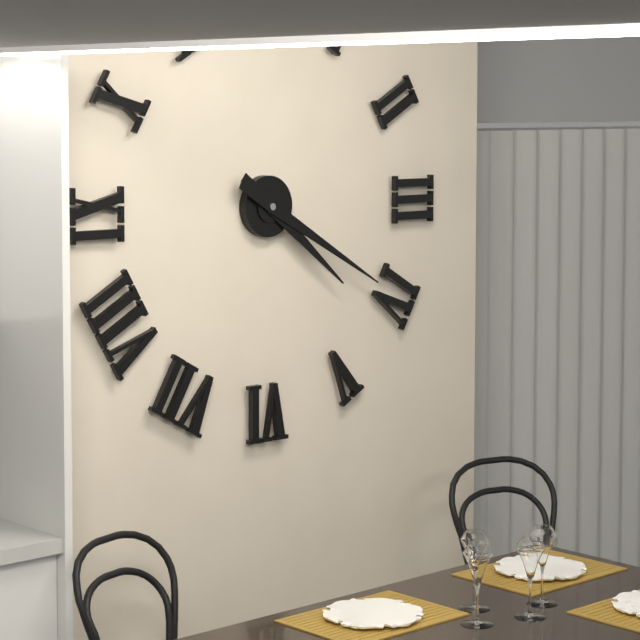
4:20
